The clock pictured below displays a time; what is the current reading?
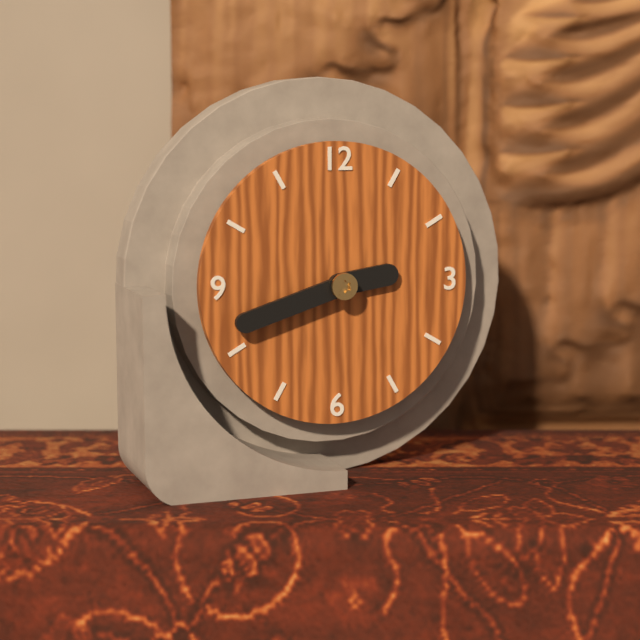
2:42
